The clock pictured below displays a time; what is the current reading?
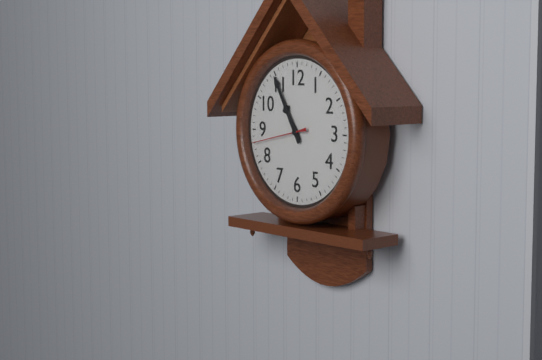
10:55:43
